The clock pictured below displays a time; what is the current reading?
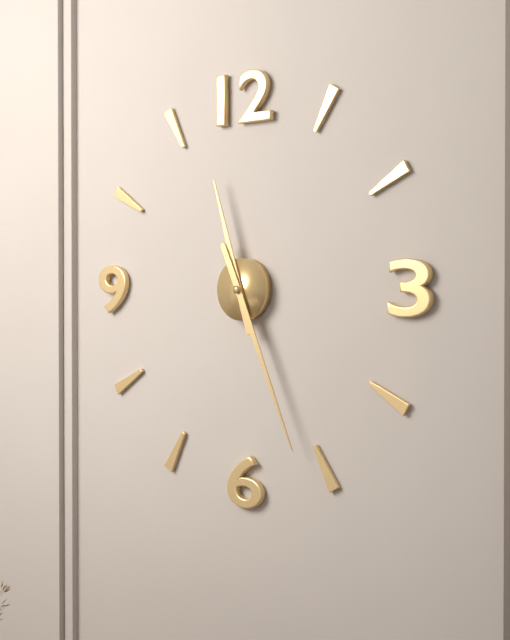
11:26
